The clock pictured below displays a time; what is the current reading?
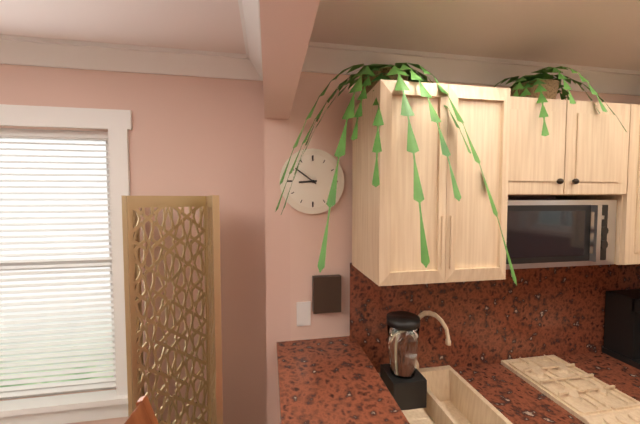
8:51
